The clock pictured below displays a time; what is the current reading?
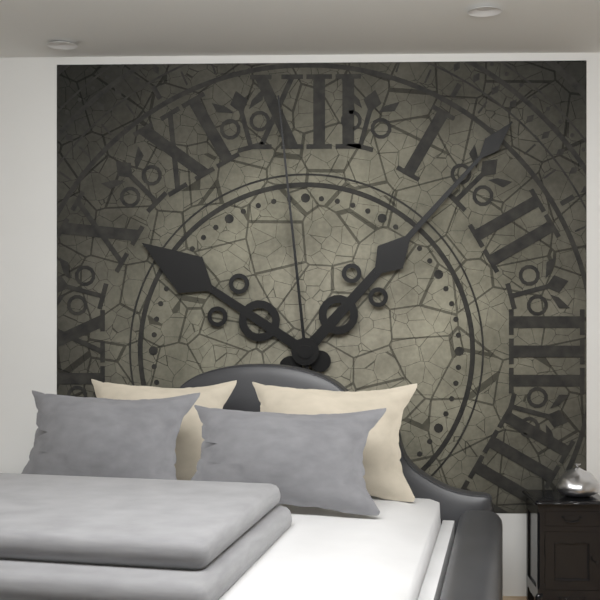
10:07:59
